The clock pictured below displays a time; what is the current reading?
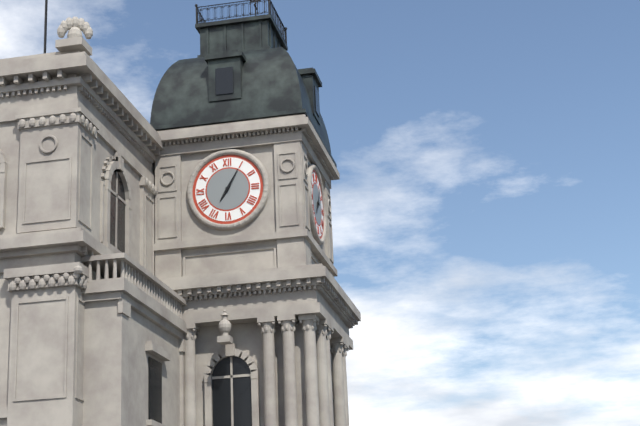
7:05
